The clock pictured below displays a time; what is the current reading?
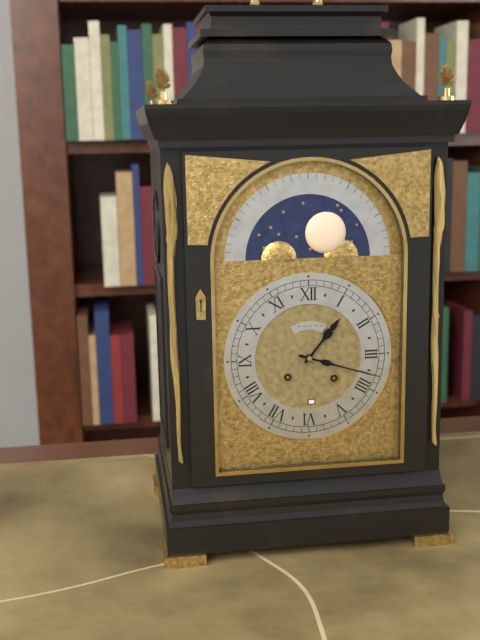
1:18
